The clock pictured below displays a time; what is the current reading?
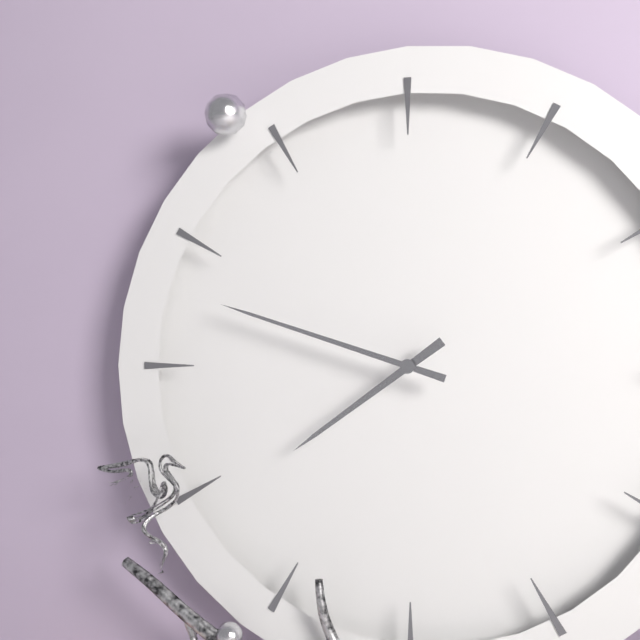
7:48
